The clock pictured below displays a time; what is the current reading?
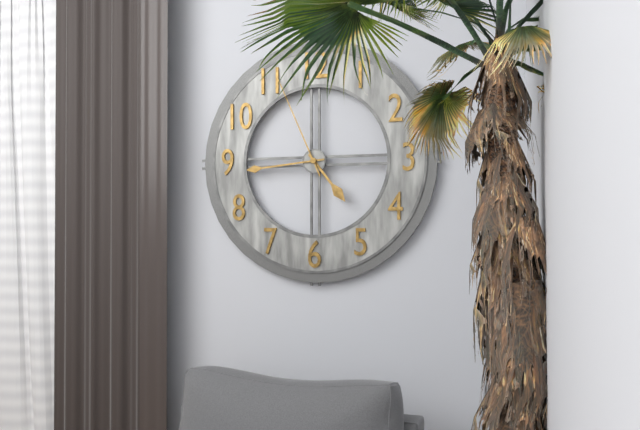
4:44:56
